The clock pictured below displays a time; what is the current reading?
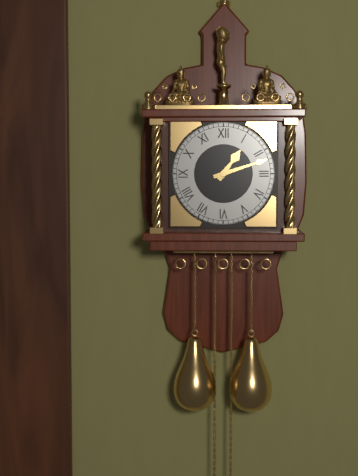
1:12
